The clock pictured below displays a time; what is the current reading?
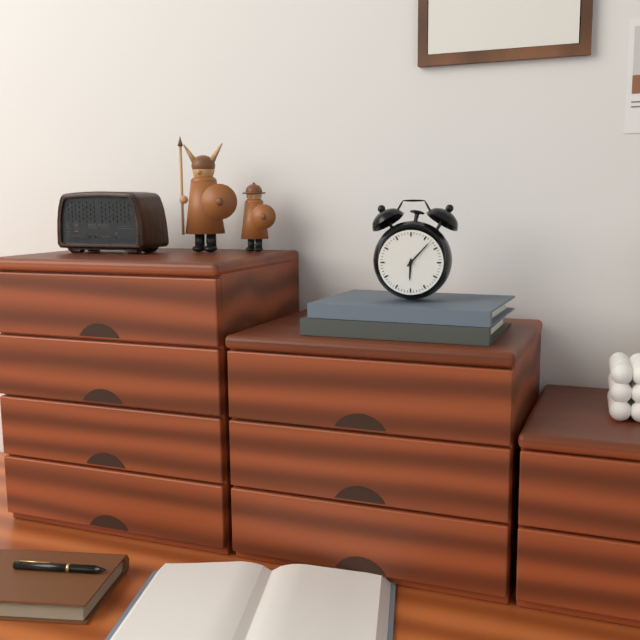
6:07
